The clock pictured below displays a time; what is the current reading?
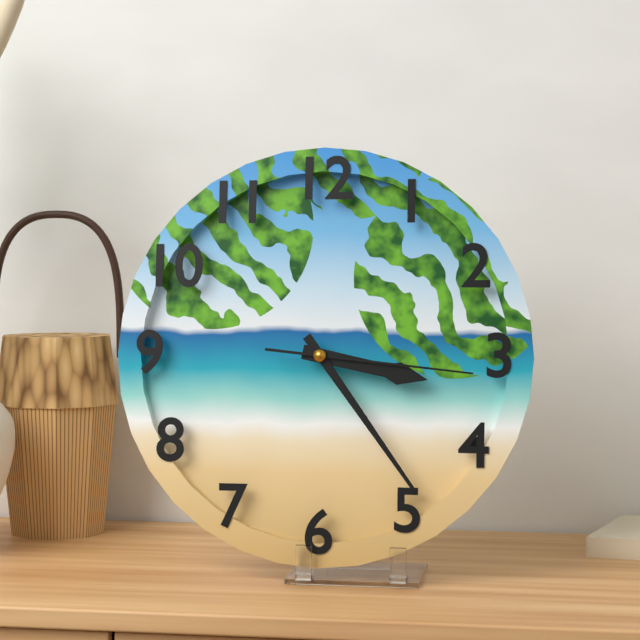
3:24:16
